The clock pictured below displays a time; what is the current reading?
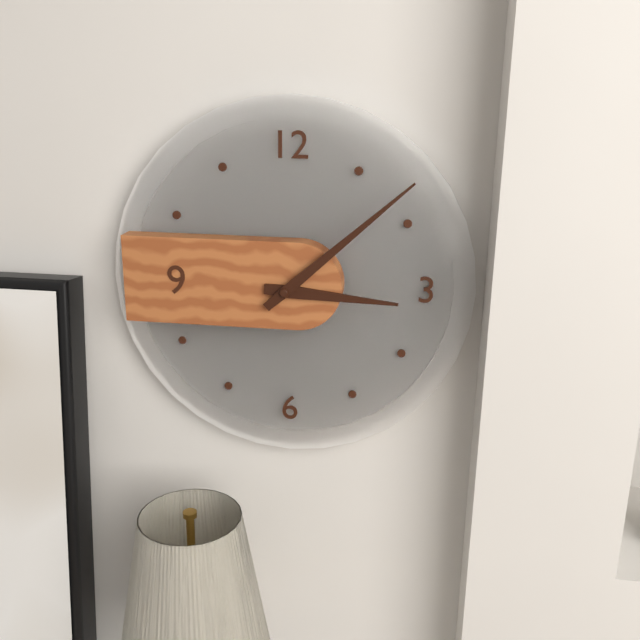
3:08
